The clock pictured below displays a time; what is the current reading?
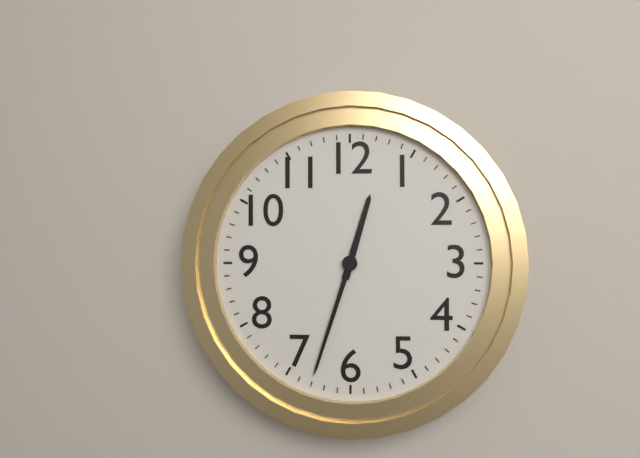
12:33
